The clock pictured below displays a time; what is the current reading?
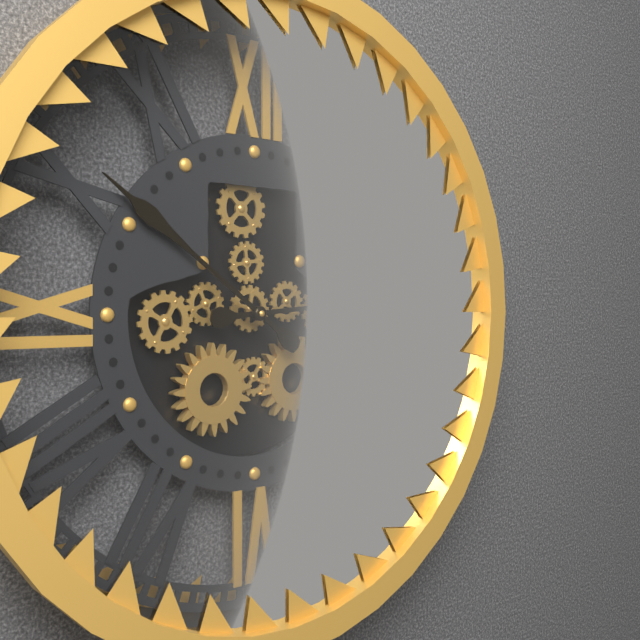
2:51
